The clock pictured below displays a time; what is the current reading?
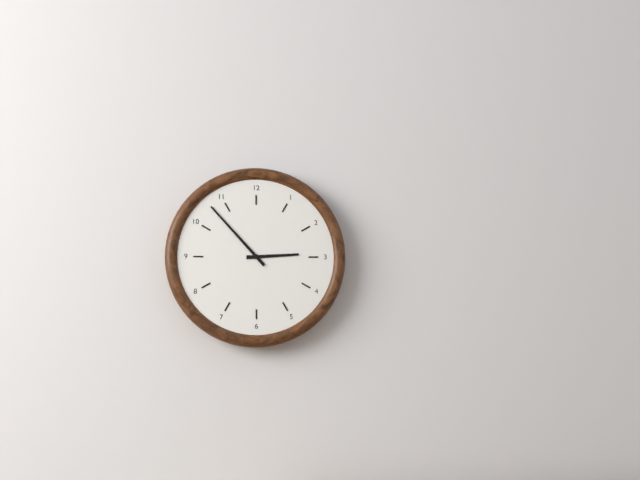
2:53
